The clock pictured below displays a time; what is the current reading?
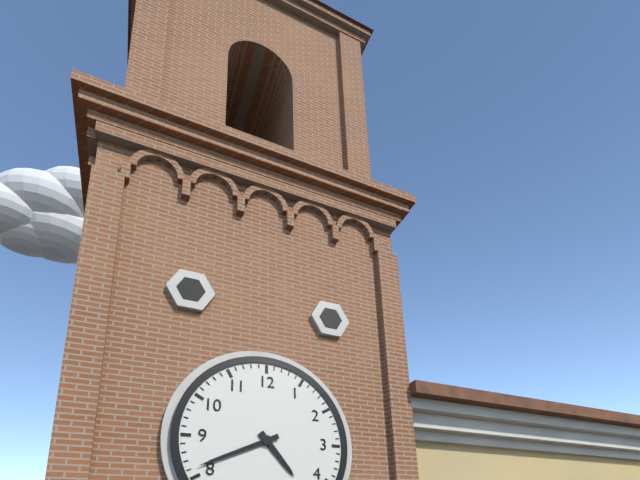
4:41
